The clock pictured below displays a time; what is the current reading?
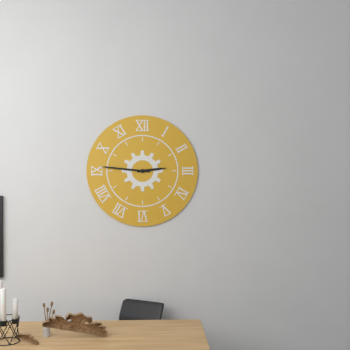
2:46
